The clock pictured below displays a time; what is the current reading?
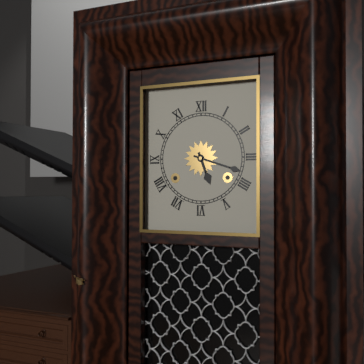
5:18
